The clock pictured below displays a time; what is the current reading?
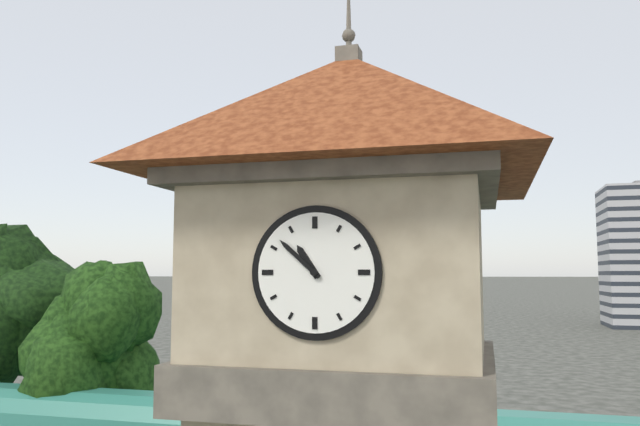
10:52
